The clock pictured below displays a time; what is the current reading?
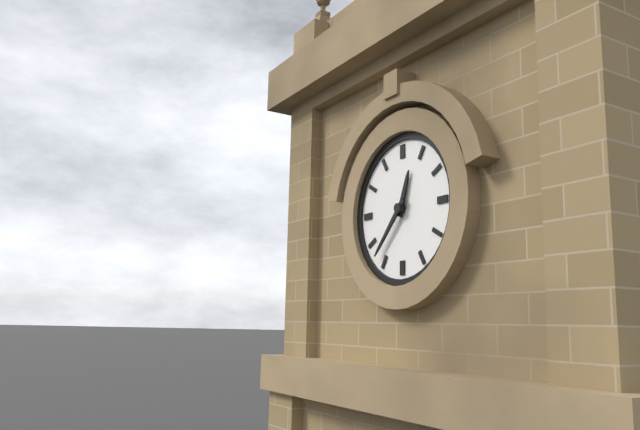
12:37
